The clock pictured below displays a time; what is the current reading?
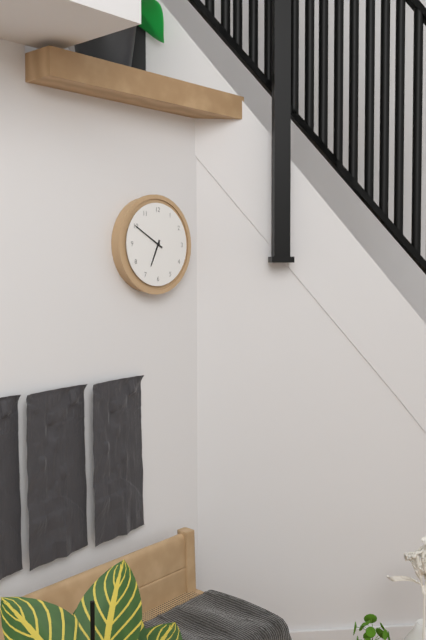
6:50
